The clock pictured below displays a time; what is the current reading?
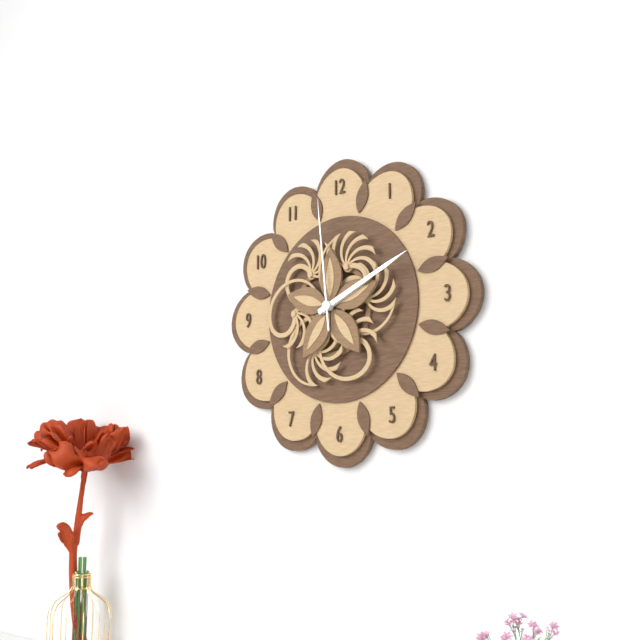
2:11:59
